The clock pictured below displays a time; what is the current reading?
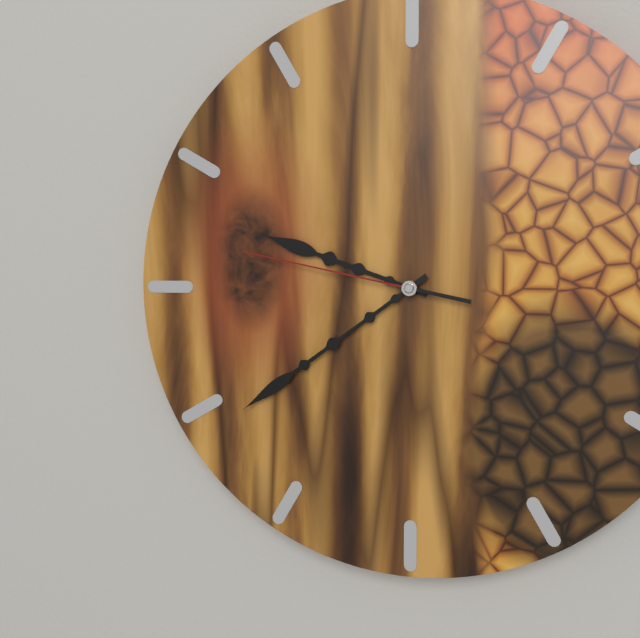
9:39:47
